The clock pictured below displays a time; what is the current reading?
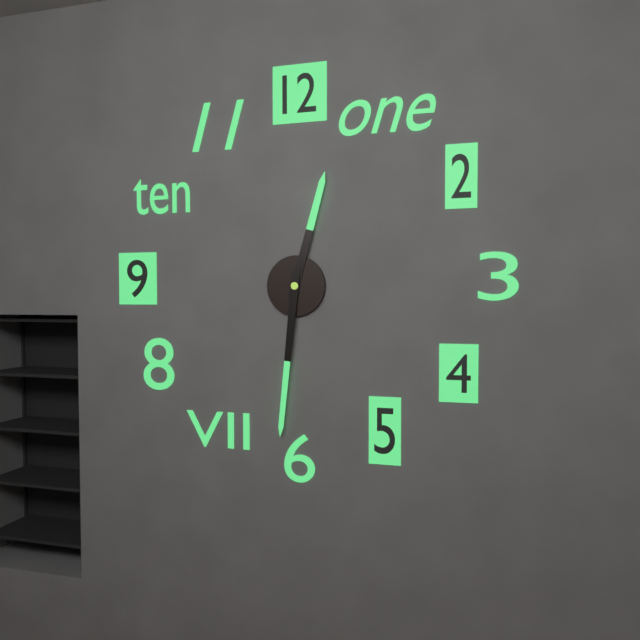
12:31
